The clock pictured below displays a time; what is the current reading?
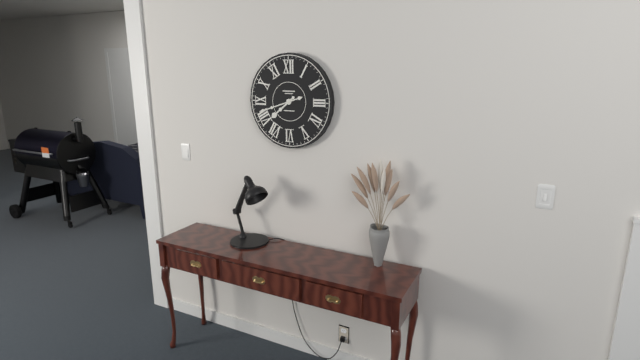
7:42
